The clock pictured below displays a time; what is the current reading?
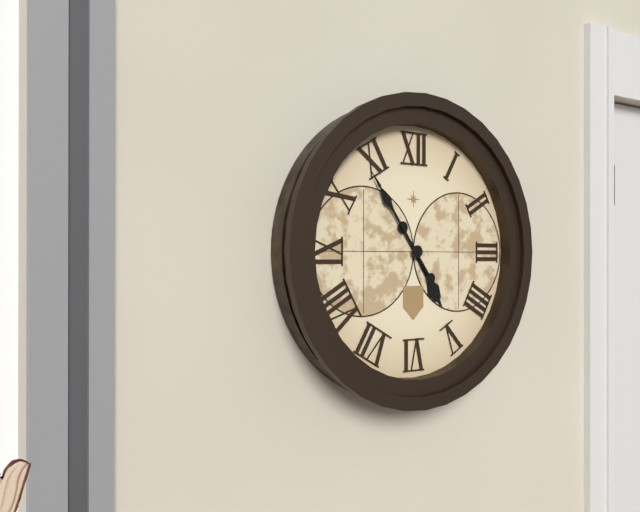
4:54
